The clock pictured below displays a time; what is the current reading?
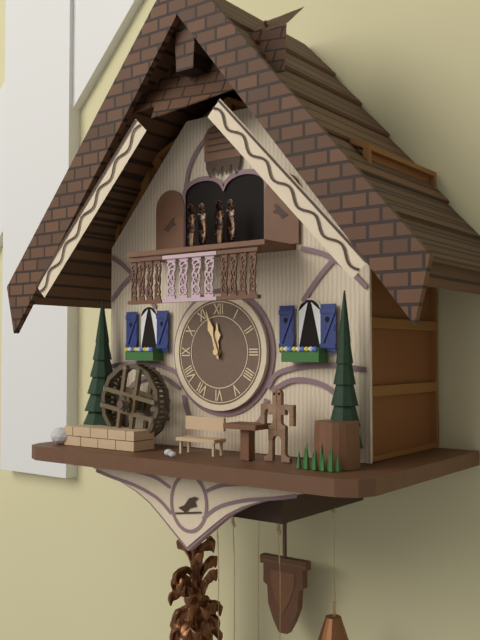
11:57
